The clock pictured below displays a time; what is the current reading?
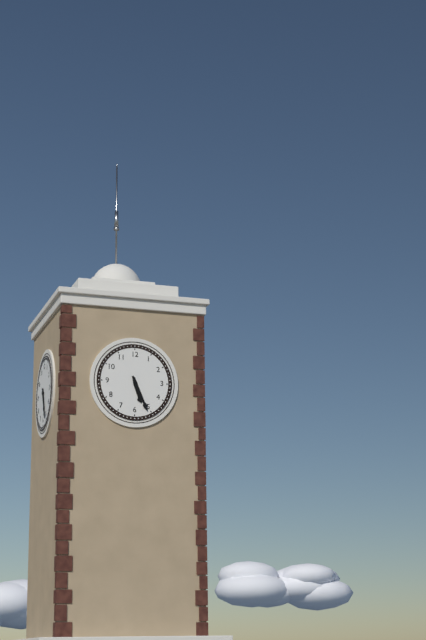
5:26
